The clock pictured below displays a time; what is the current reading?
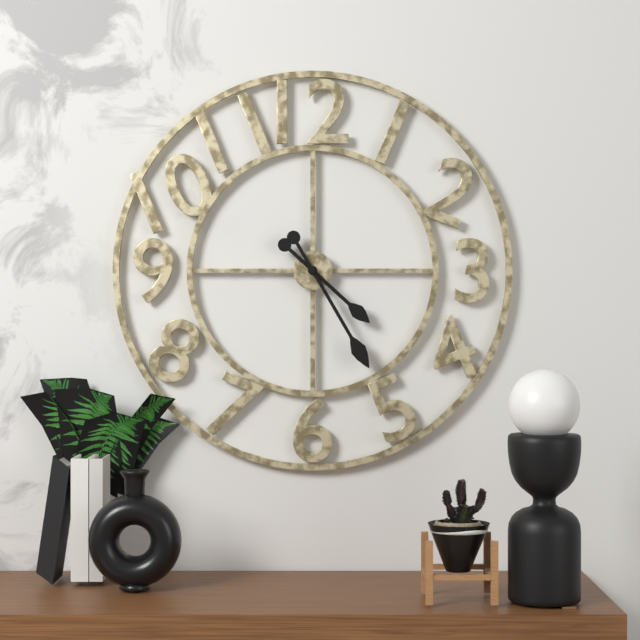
4:25
